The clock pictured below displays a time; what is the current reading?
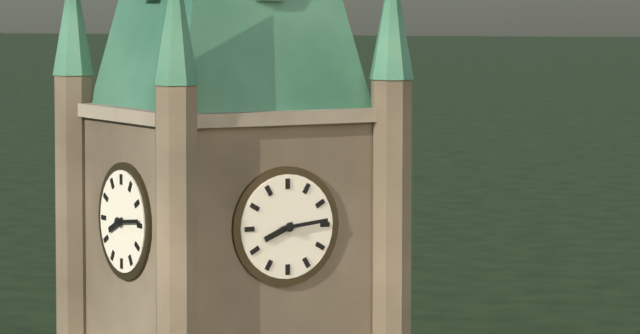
8:14
